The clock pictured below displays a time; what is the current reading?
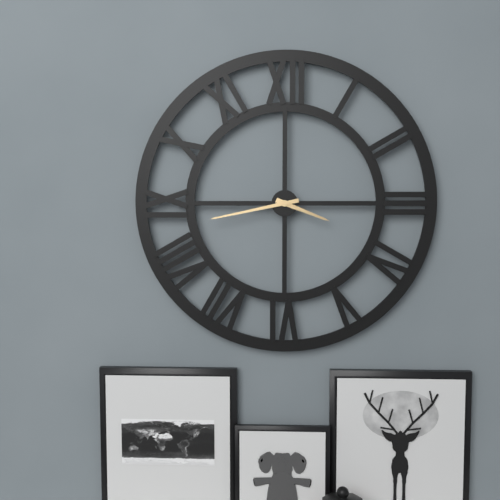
3:43
